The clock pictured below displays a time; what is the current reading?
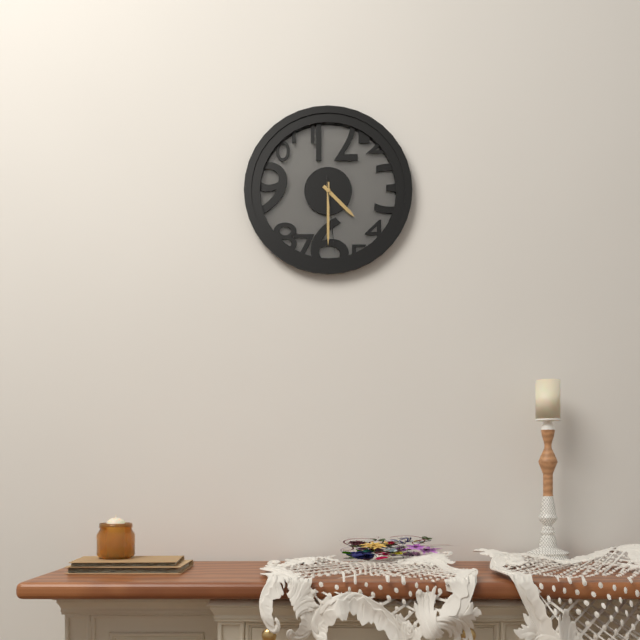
4:30:29
